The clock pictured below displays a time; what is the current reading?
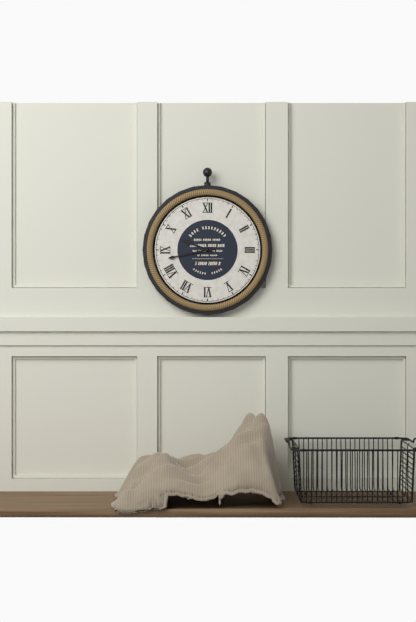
9:43
